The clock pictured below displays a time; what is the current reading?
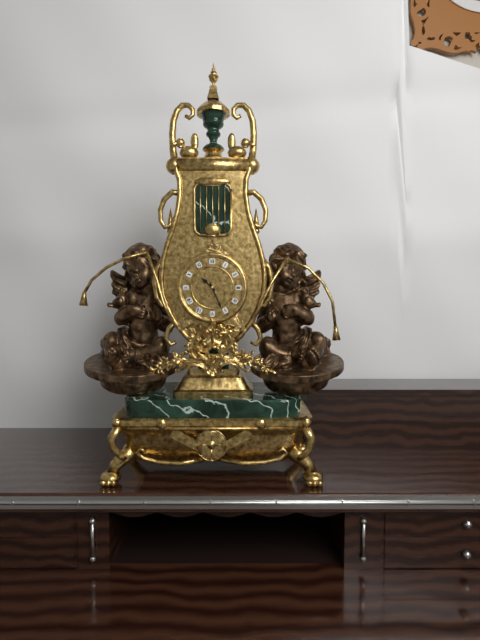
10:26
